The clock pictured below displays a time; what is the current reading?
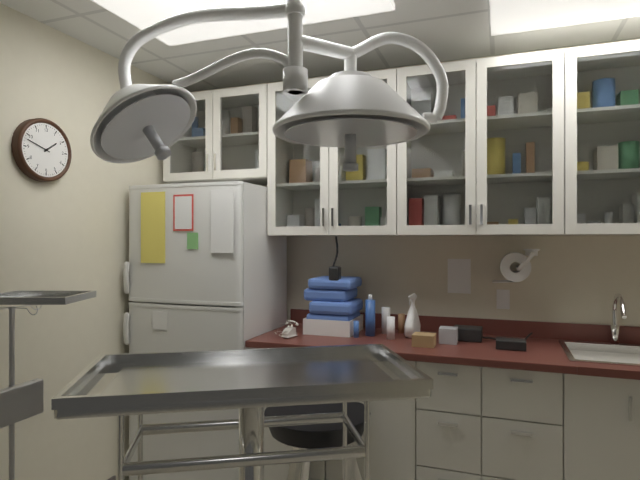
1:48
